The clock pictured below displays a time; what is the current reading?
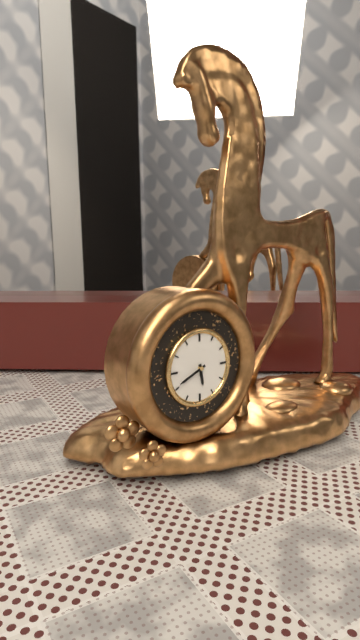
5:41
